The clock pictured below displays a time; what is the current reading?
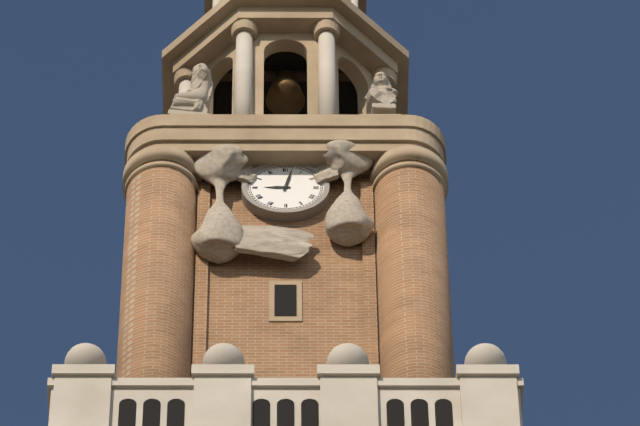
9:02
